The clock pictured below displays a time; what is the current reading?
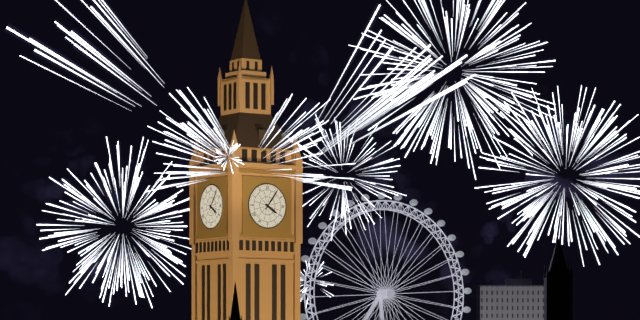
4:06
